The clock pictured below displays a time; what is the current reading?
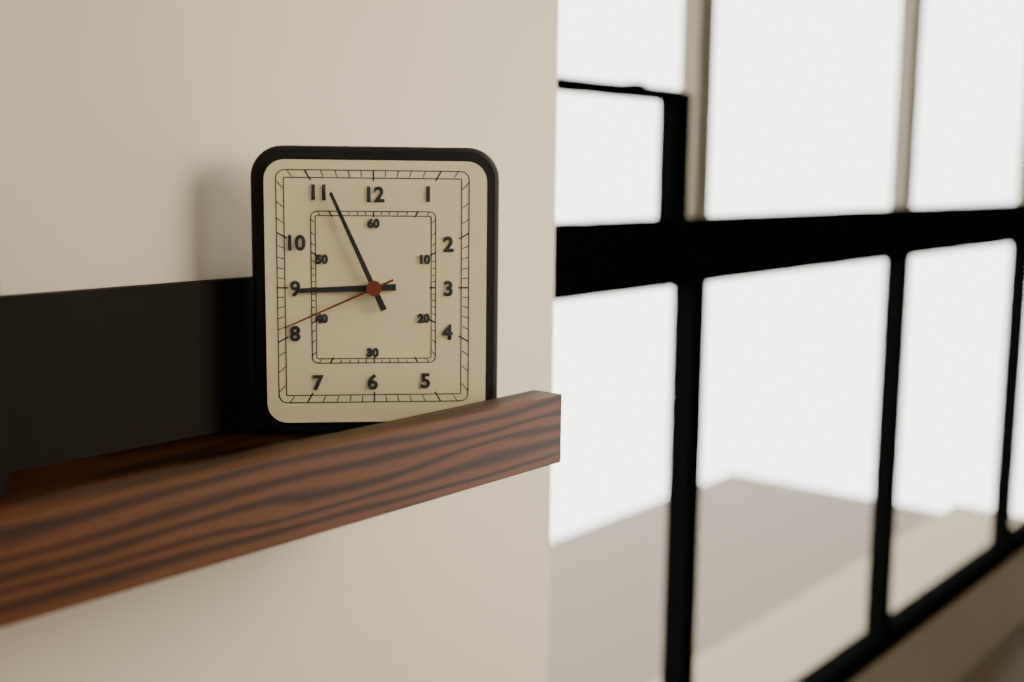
8:56:41
